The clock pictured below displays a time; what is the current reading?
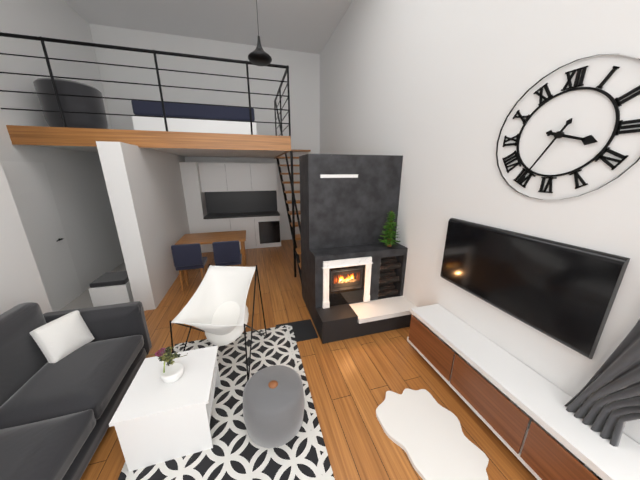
3:35
